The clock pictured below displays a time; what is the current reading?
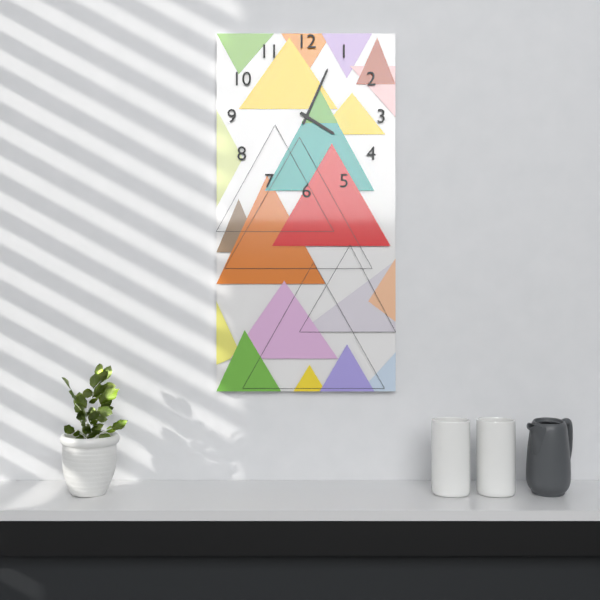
4:04
